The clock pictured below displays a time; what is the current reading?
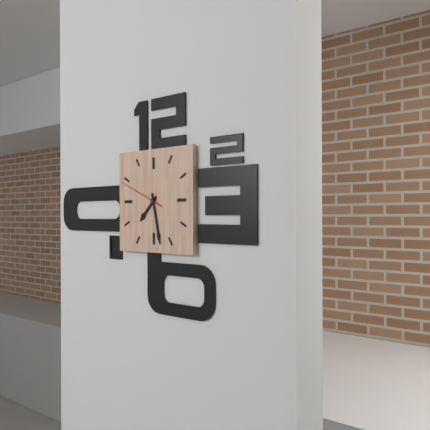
7:28:49
